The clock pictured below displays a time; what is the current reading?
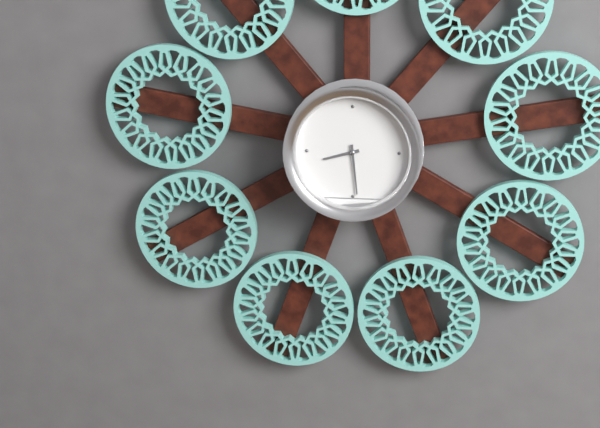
8:29
